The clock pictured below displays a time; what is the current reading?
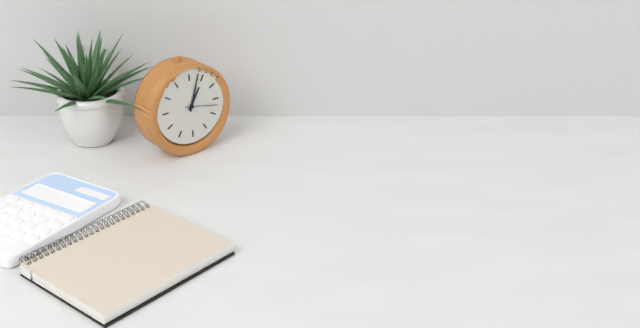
1:03
